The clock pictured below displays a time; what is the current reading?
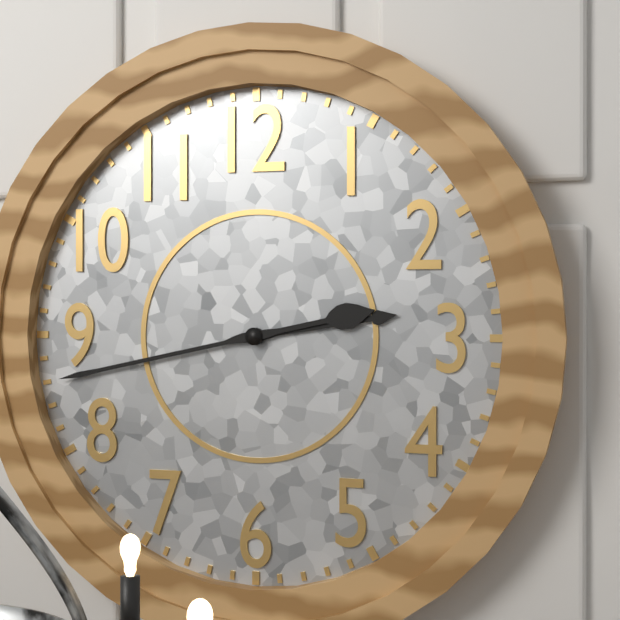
2:43
